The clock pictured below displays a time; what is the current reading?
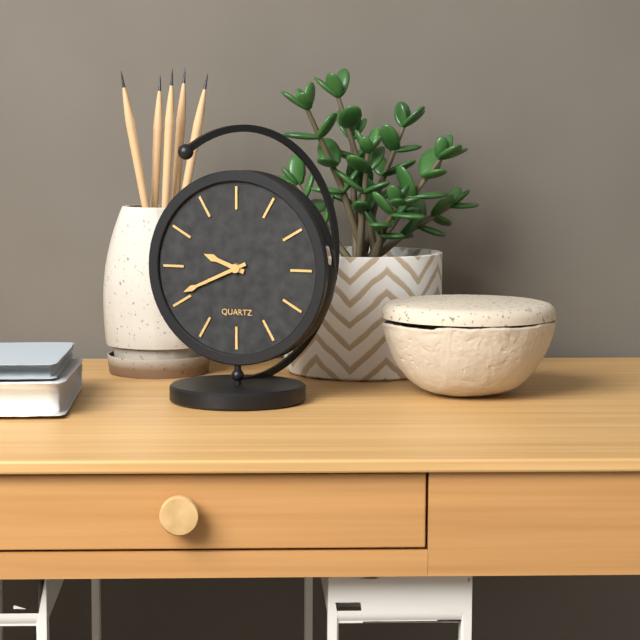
9:41
